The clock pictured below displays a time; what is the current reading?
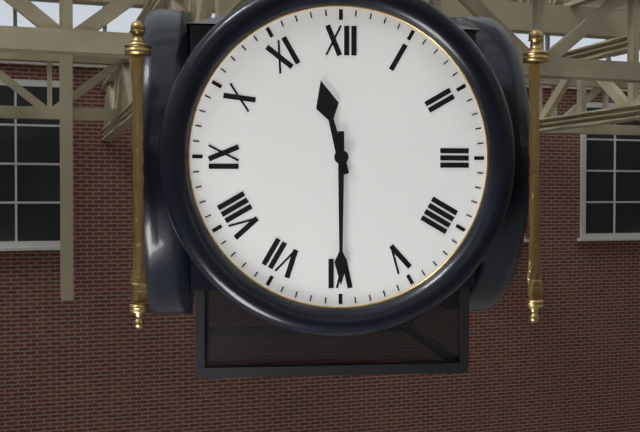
11:30
